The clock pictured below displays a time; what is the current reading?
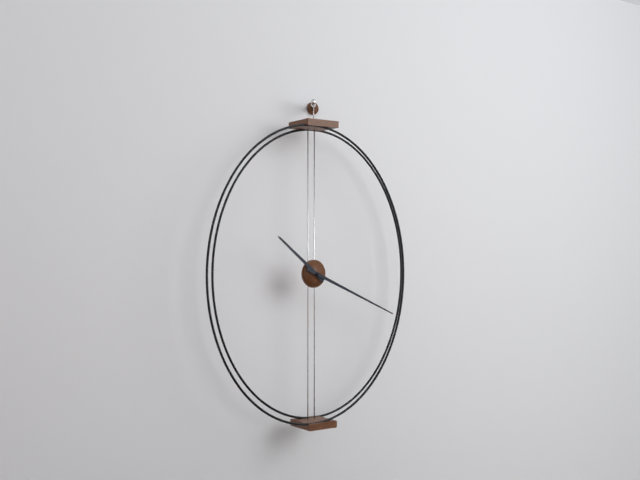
10:19
